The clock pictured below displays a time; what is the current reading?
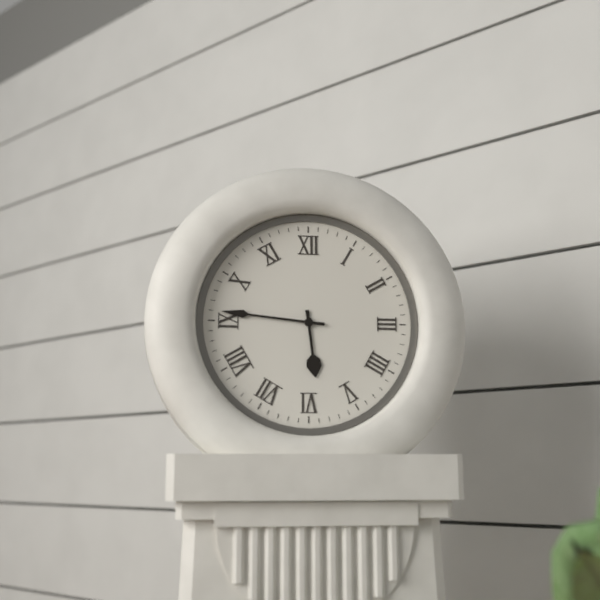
5:46
